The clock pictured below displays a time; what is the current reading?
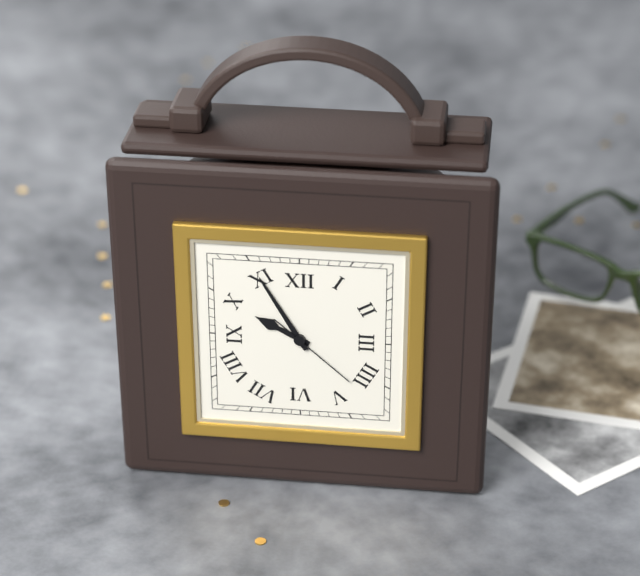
9:55:22
